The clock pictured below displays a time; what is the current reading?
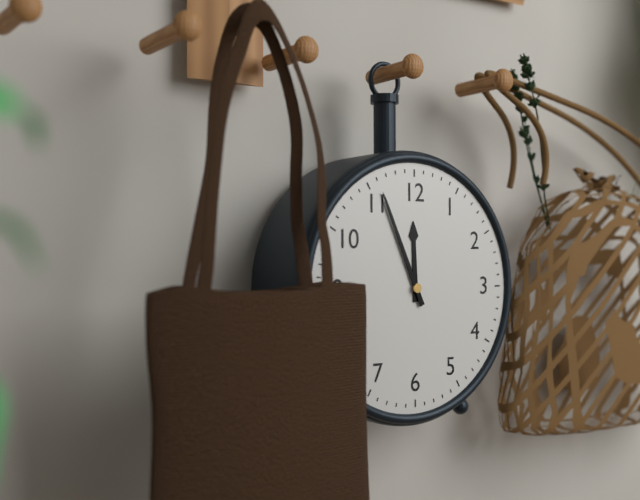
11:56
